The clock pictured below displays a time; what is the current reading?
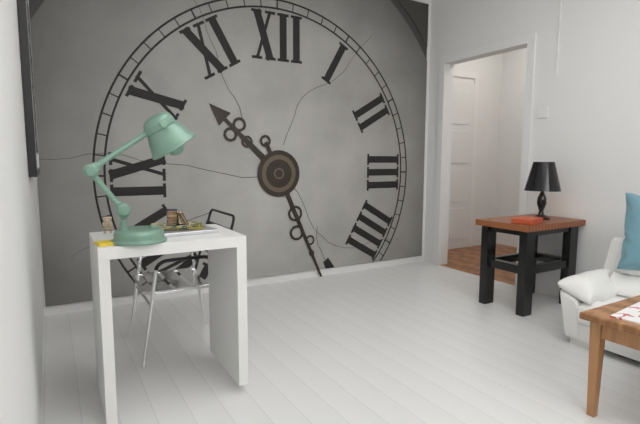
10:26
